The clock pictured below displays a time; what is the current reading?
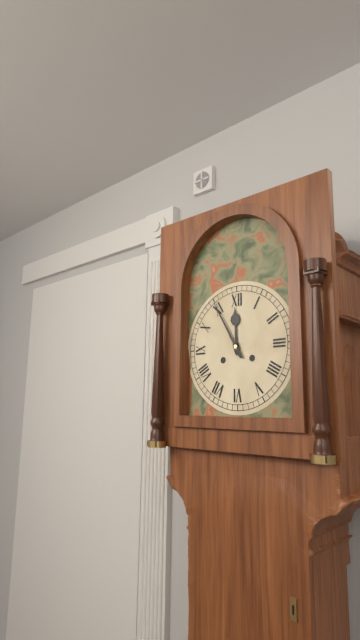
11:55
